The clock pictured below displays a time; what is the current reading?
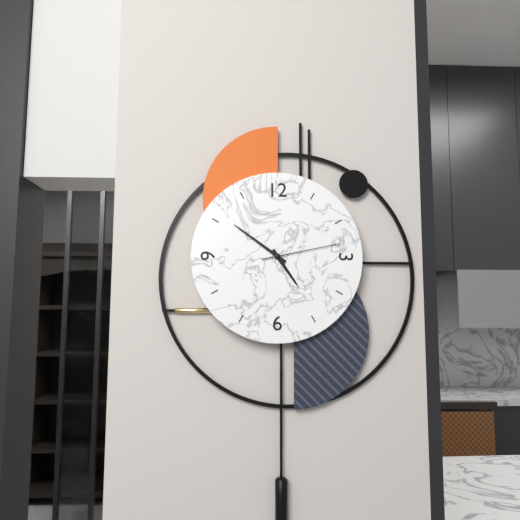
4:51:13
